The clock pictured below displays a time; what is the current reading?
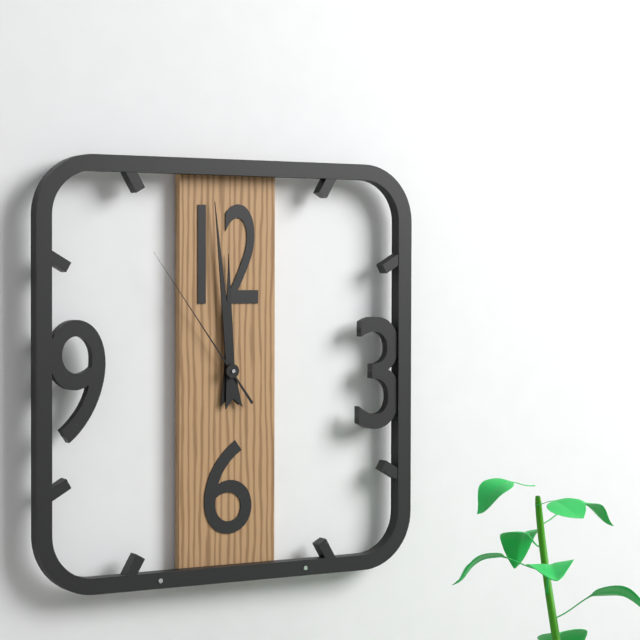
11:59:54
